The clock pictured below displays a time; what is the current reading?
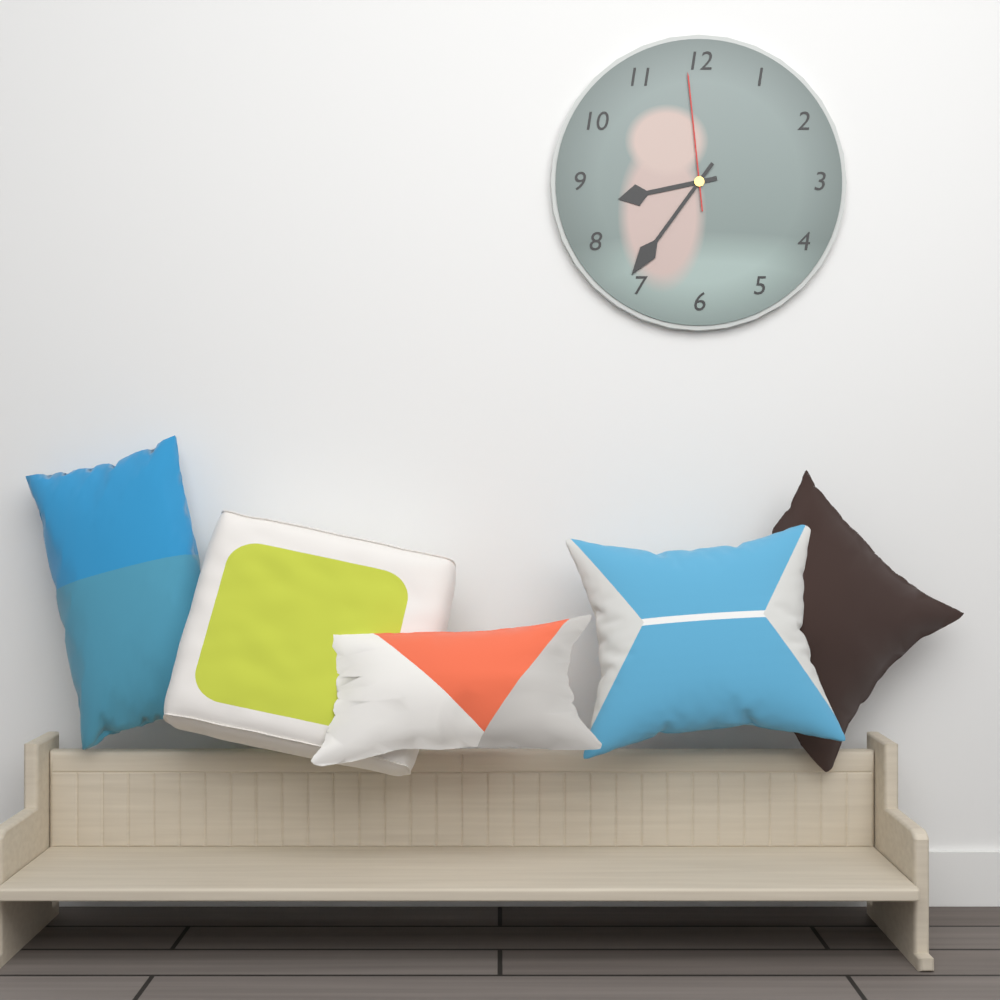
8:36:59
